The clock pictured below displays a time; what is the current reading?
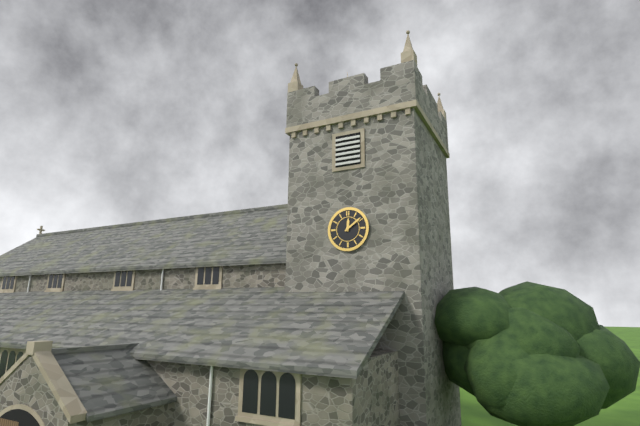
12:09
